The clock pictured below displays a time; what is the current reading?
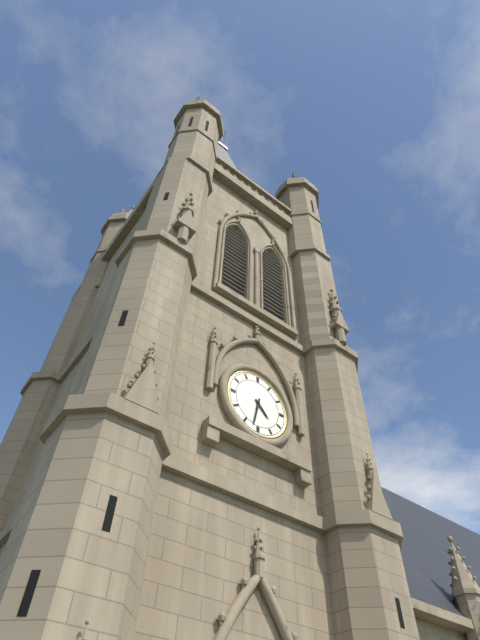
4:32
